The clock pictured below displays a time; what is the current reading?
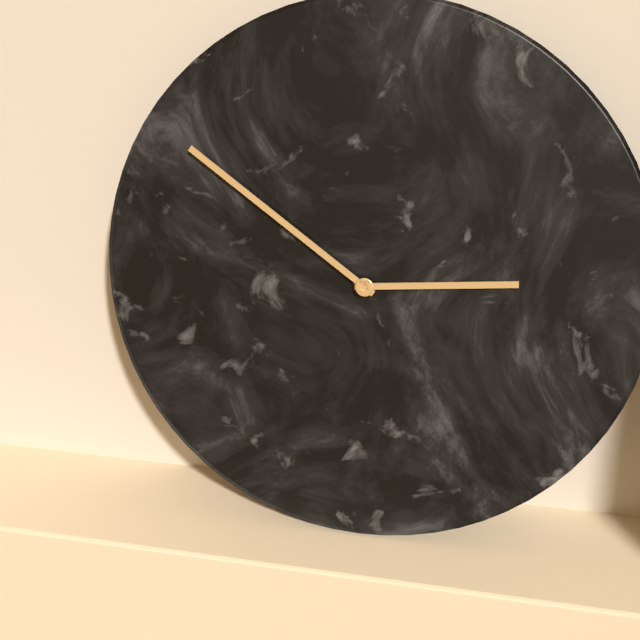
2:51
